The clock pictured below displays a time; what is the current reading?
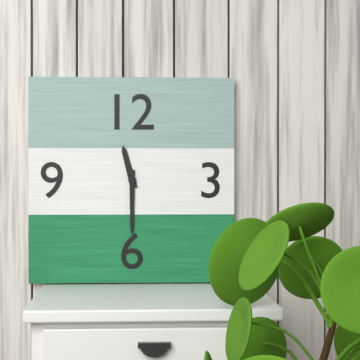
11:30
